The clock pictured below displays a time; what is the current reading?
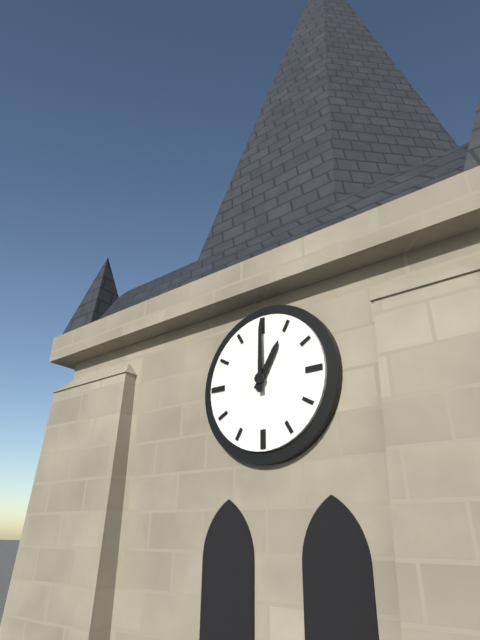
1:00
